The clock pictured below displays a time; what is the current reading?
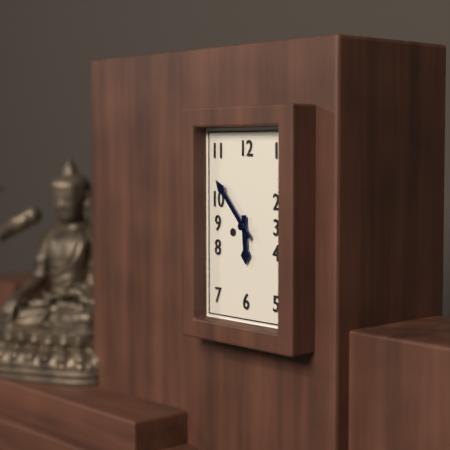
5:53
